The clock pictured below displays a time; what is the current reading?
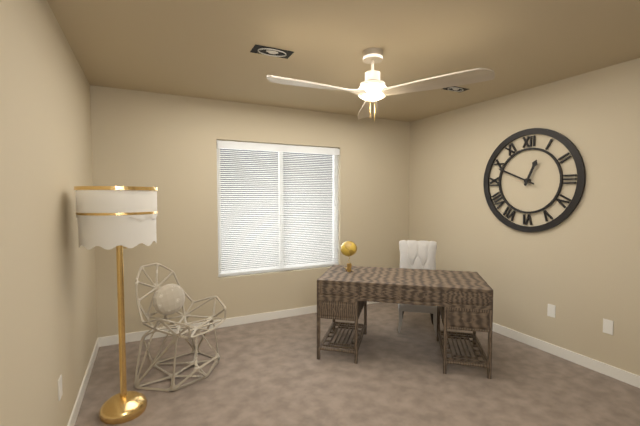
12:49
